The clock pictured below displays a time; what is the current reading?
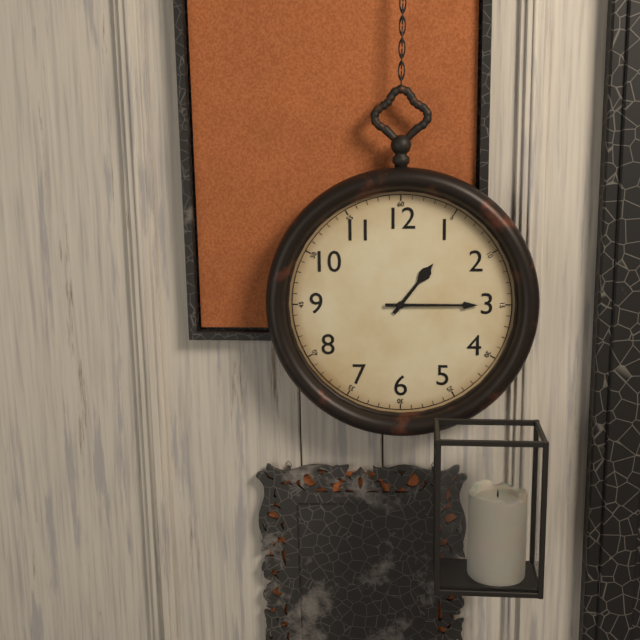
1:15
